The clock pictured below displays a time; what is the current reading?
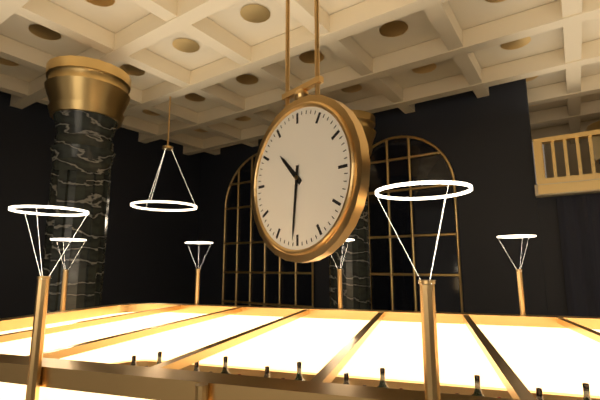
10:31
